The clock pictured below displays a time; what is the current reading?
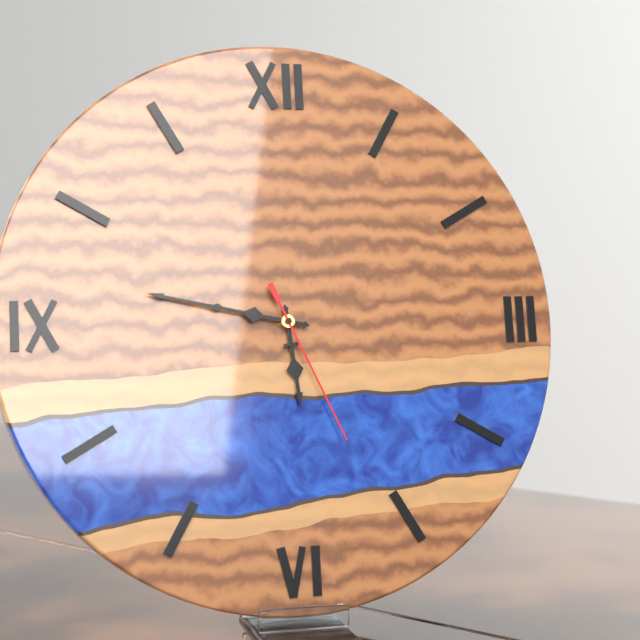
5:47:26
